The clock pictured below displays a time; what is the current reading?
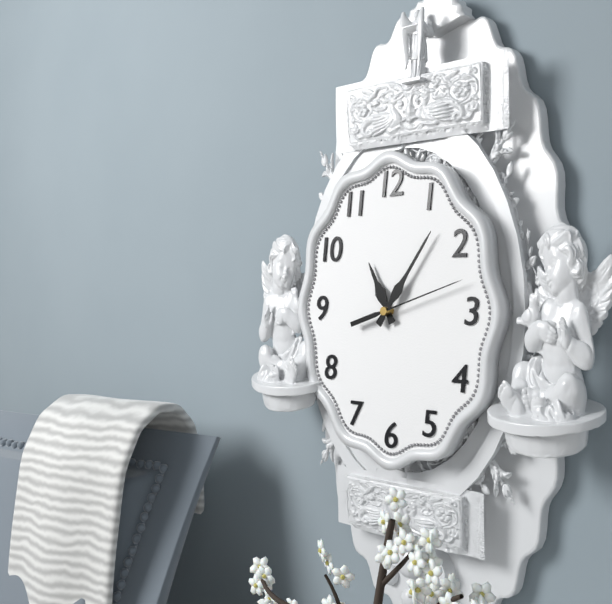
11:06:12
